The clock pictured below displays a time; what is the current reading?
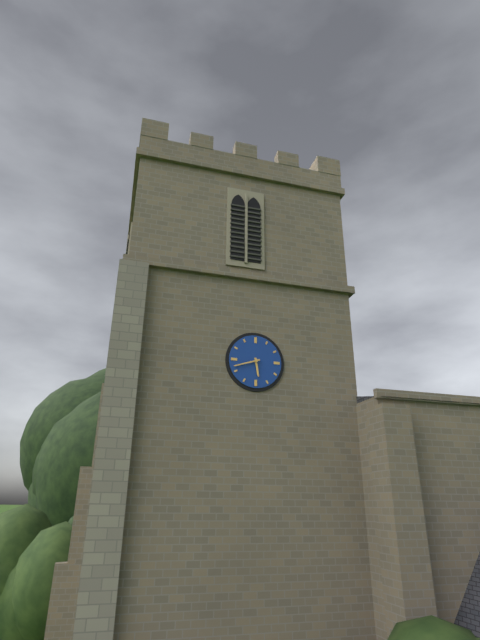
5:42
